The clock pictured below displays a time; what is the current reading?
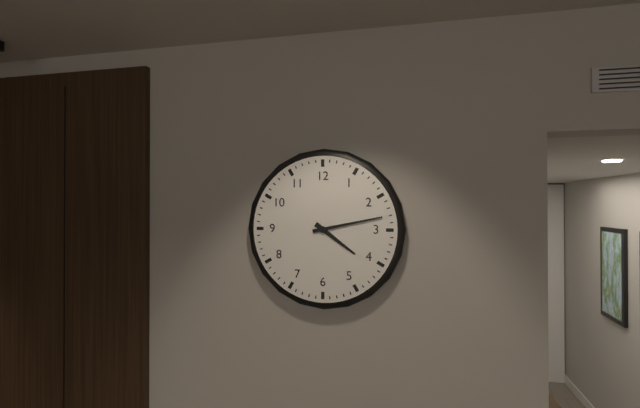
4:13
